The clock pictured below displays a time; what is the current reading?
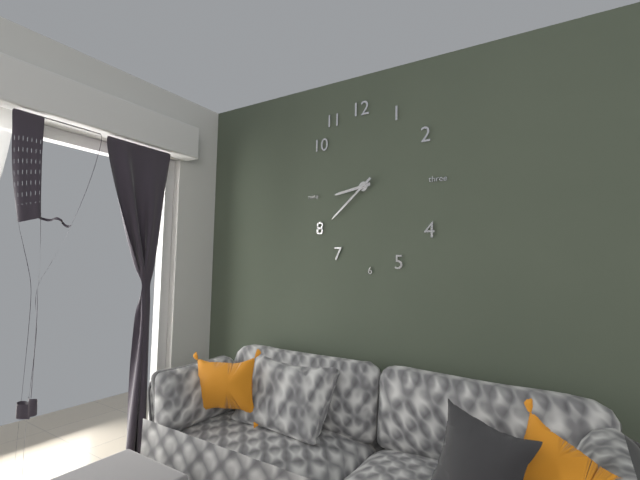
8:38
